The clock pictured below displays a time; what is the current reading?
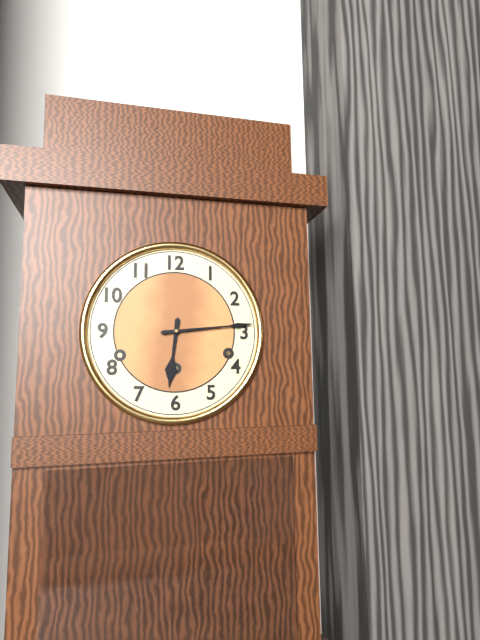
6:14
